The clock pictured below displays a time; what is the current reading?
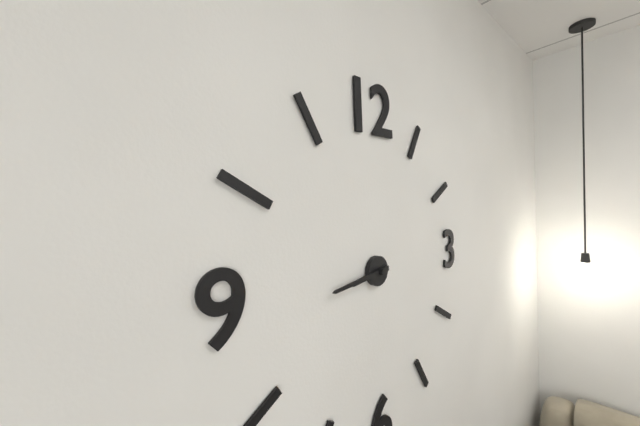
8:44
